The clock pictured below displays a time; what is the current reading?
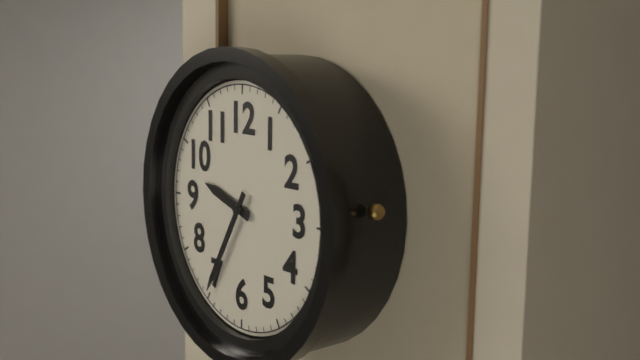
9:35
